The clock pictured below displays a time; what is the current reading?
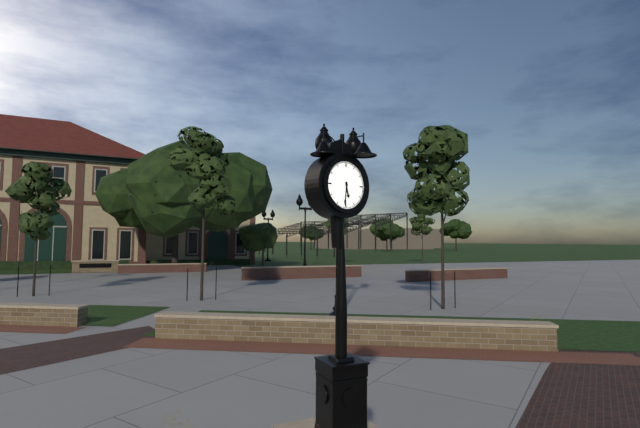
5:31
